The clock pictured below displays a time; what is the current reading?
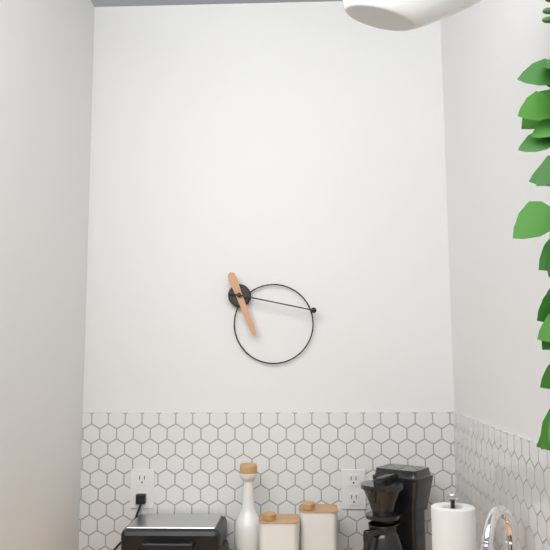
5:17
